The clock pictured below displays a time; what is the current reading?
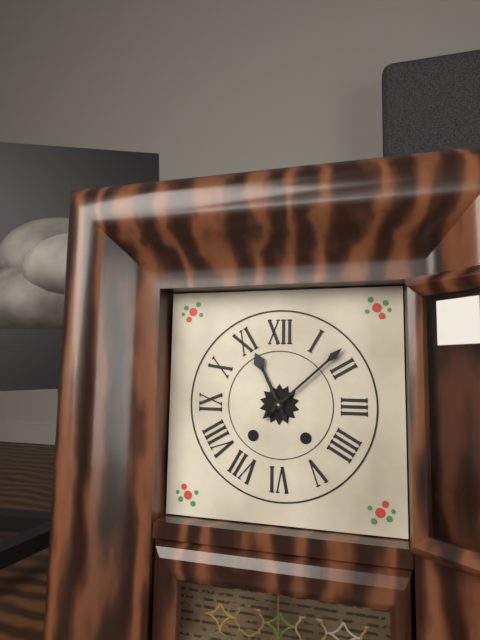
11:08
